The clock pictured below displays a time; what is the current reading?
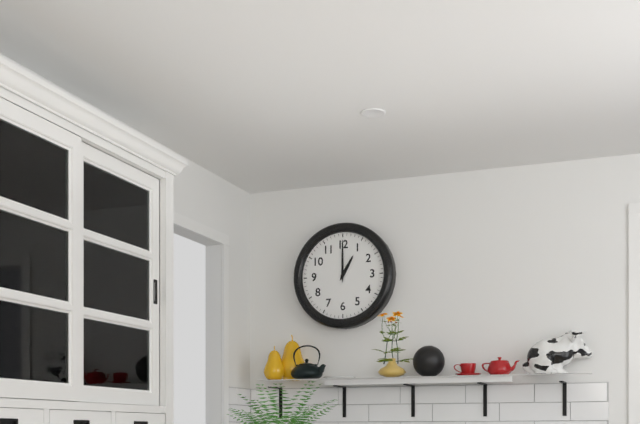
1:00
